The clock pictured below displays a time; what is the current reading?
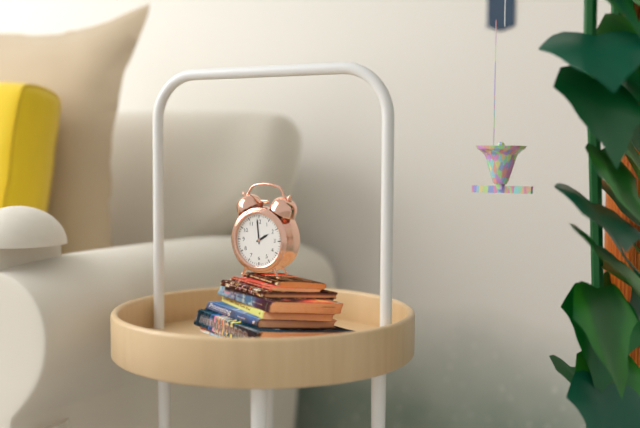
1:59
